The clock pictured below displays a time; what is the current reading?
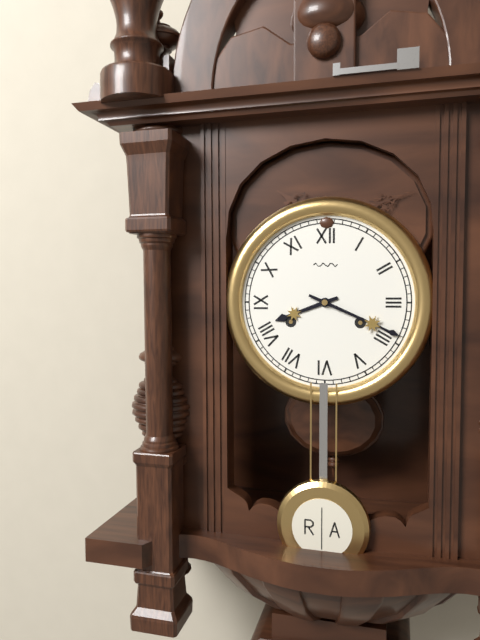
8:19
